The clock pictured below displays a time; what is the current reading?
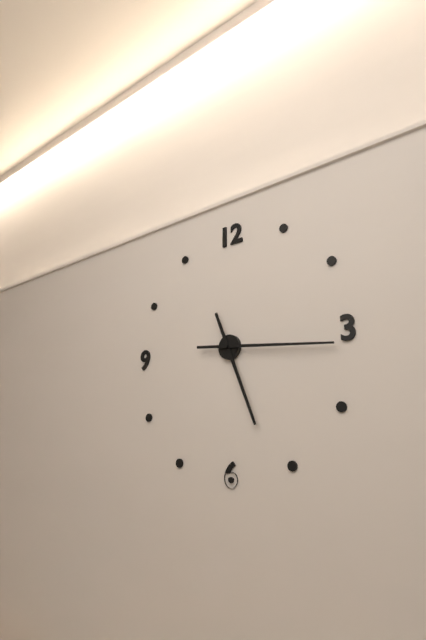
5:16
